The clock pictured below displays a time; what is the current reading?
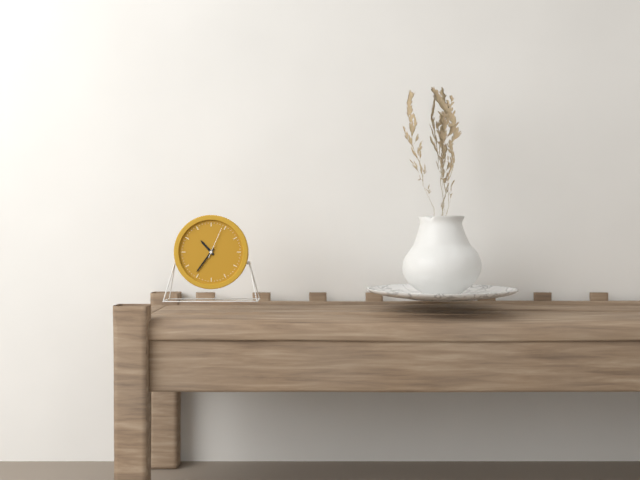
10:36
